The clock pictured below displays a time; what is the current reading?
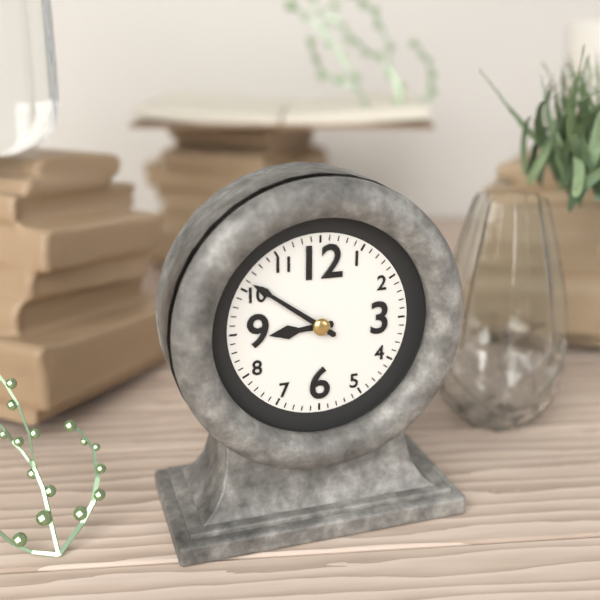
8:51
